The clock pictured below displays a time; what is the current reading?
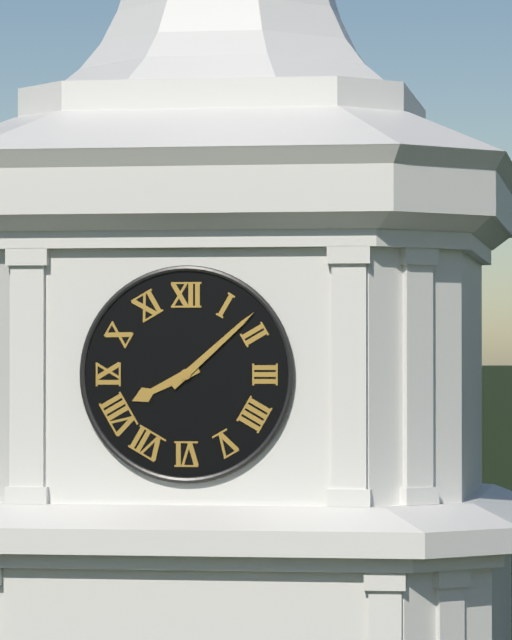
8:08
